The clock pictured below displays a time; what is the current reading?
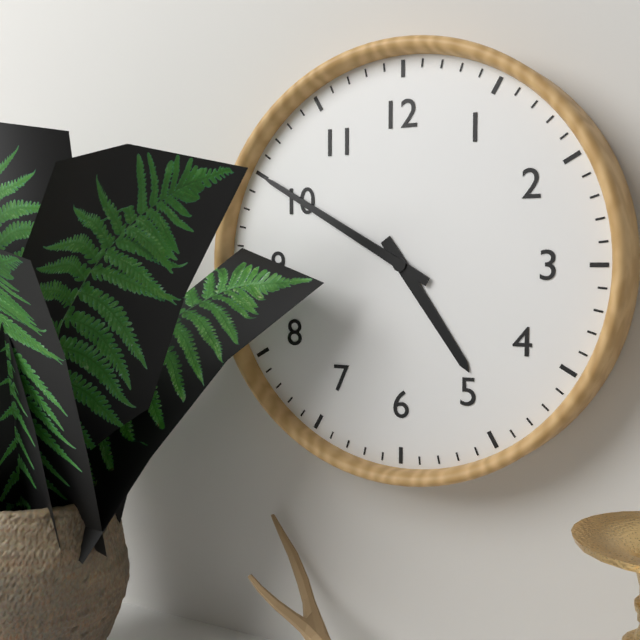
4:50
